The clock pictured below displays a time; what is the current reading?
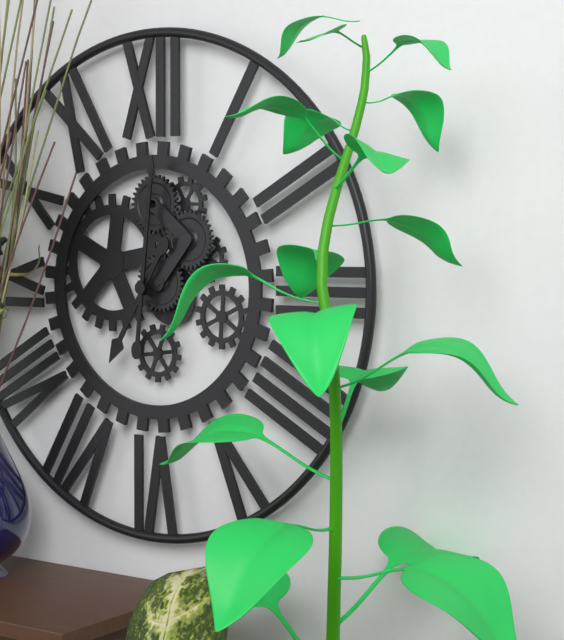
7:01
